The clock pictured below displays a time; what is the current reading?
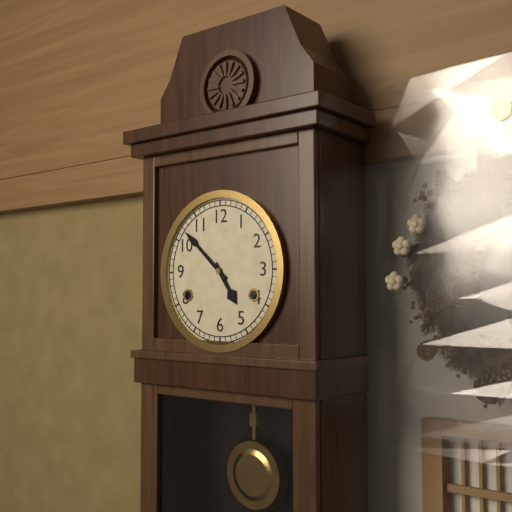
4:52
